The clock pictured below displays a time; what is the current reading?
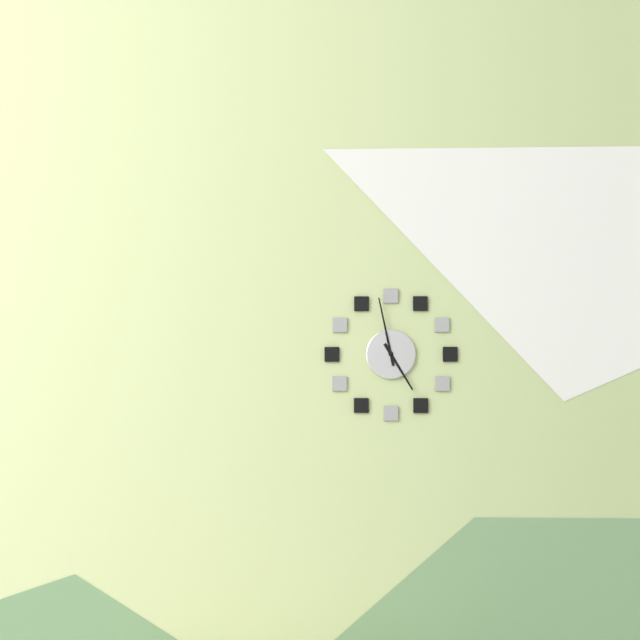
4:58
